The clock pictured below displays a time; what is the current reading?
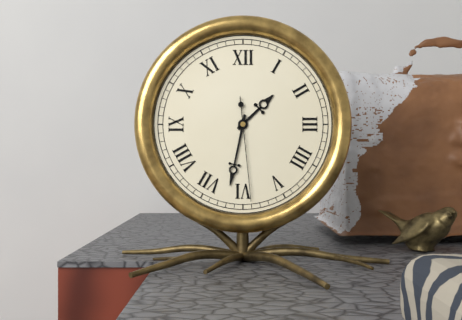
1:32:29
